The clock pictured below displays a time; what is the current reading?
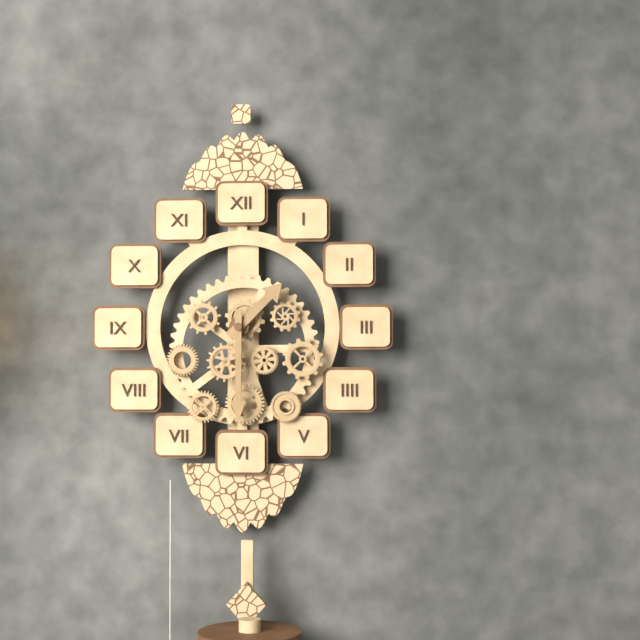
1:30
